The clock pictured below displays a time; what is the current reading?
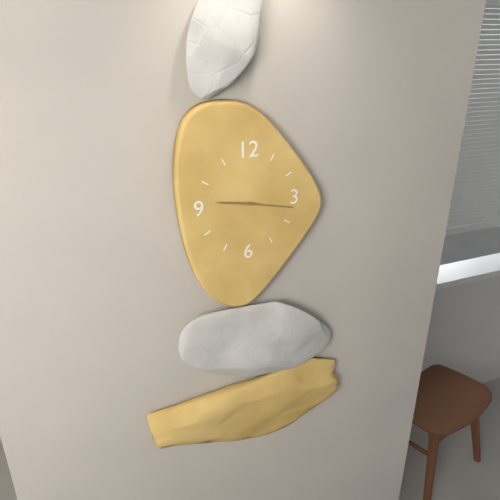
9:17
